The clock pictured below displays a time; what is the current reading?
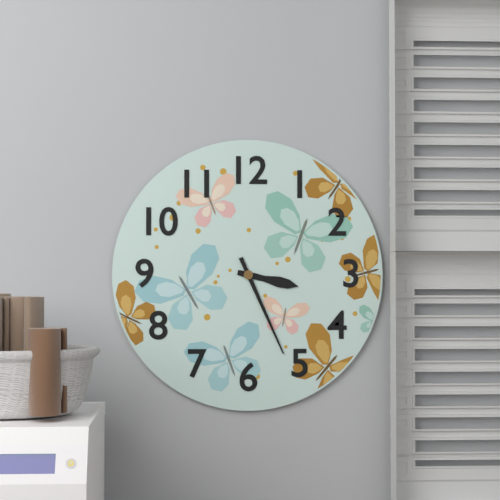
3:26
